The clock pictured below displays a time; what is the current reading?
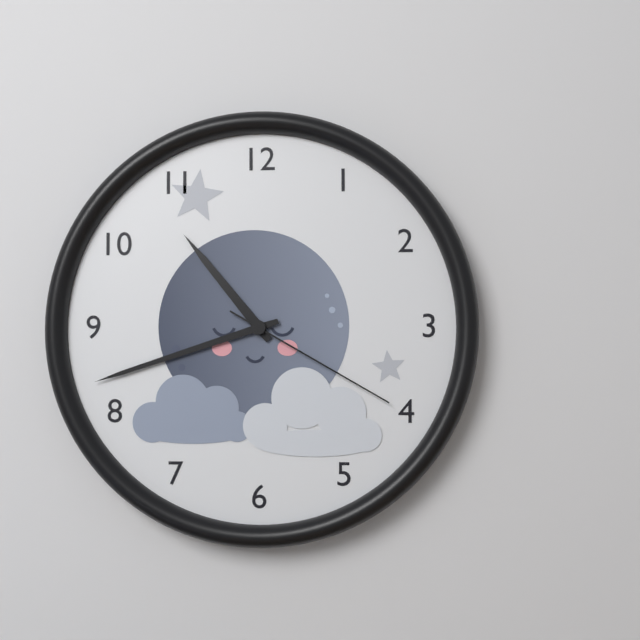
10:42:20
